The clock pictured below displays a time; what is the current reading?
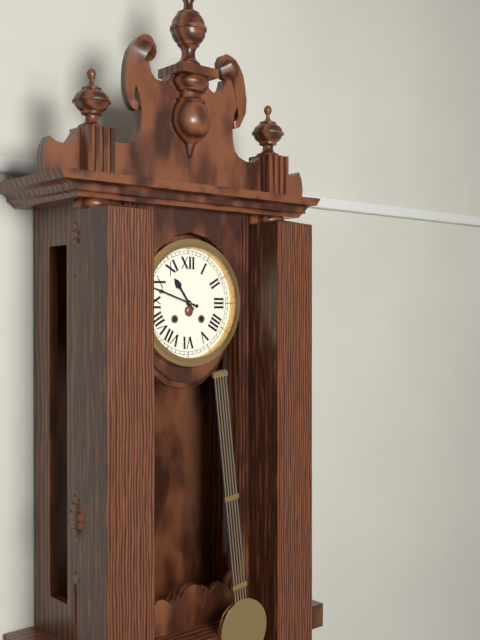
10:48
